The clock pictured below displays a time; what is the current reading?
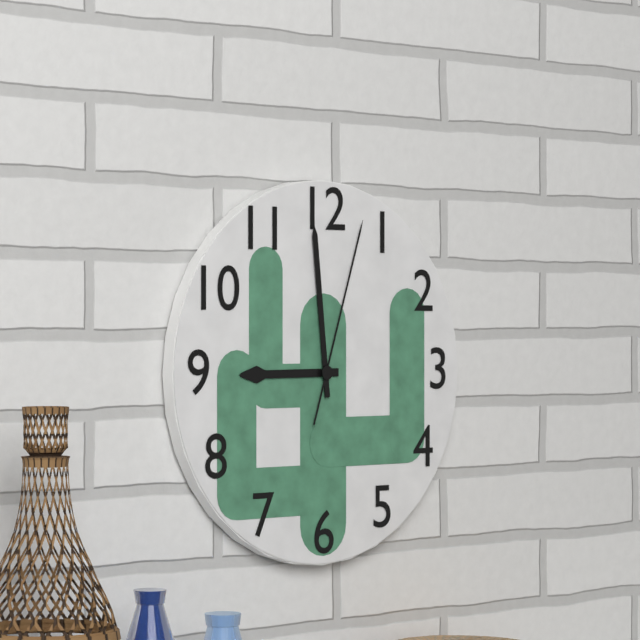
8:59:03
